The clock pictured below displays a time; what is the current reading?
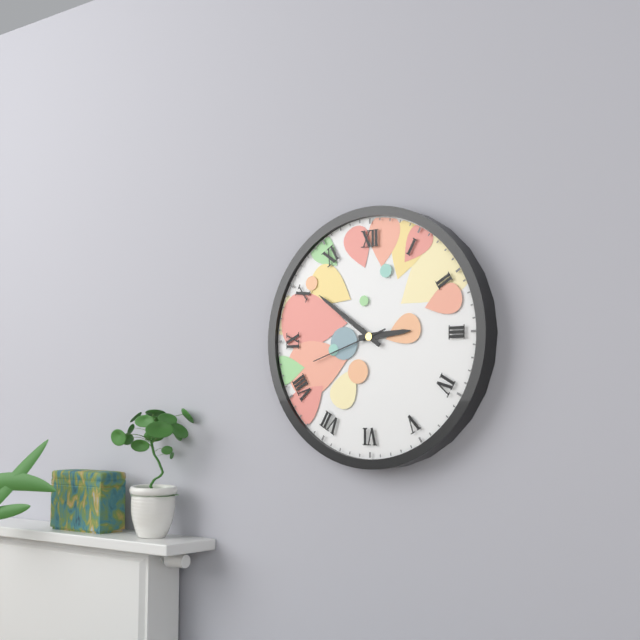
2:51:42
